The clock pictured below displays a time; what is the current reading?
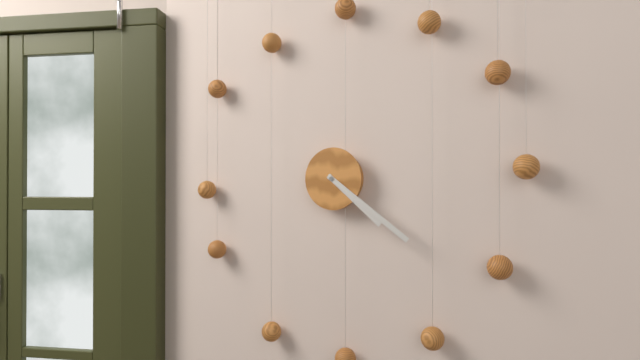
4:21
